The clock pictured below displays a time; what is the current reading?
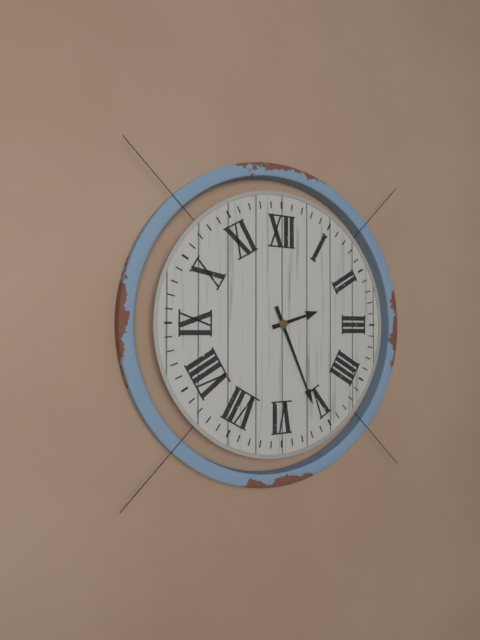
2:26
